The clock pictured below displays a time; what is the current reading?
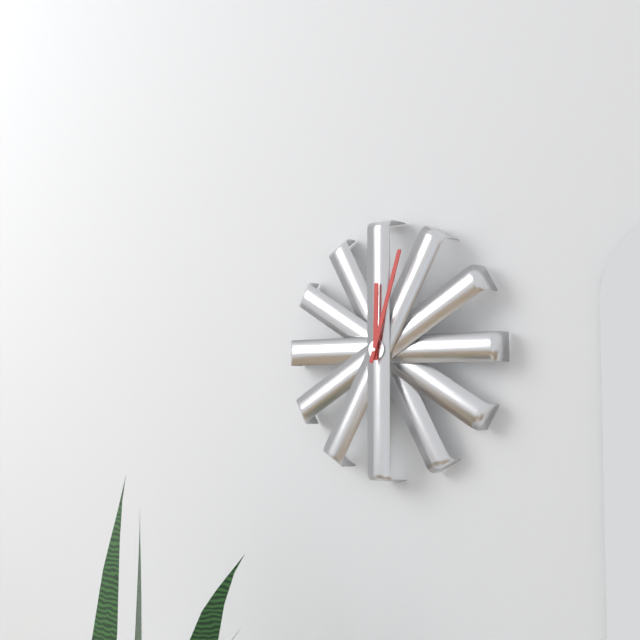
12:03
